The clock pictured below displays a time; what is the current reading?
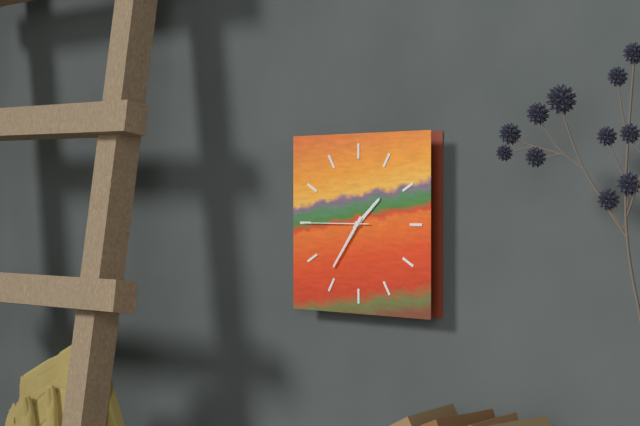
1:36:45
